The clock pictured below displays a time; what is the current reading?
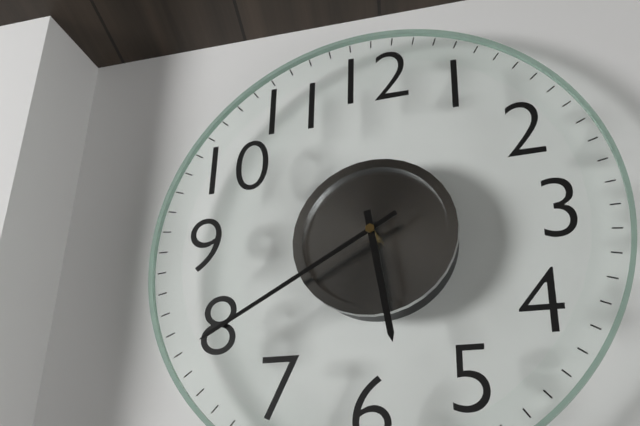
5:40
